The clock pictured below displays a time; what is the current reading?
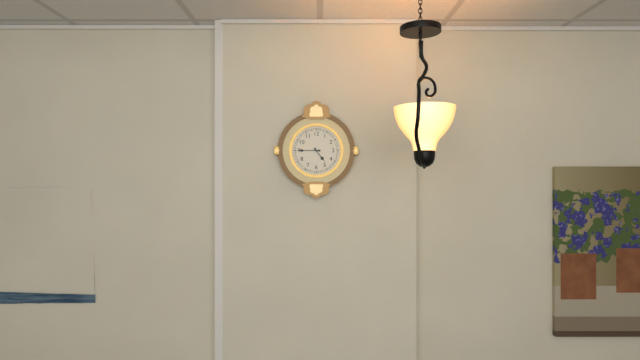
4:45
